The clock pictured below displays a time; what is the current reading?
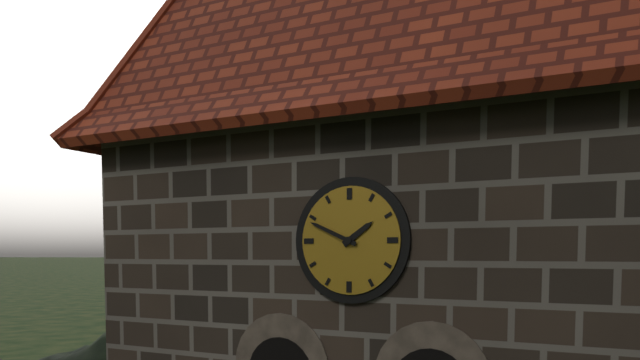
1:49
